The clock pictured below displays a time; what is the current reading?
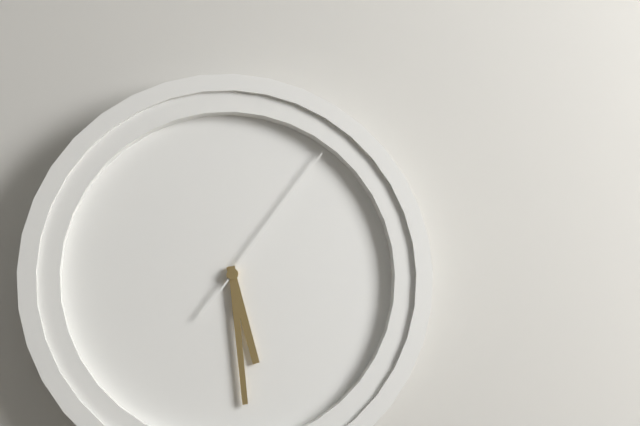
5:29:06
